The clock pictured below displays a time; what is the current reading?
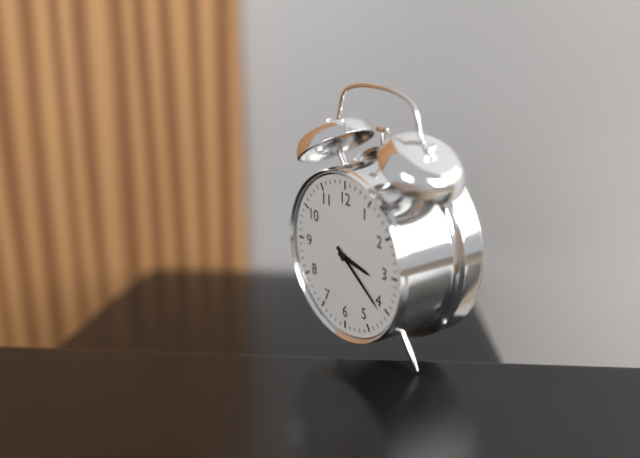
3:21
